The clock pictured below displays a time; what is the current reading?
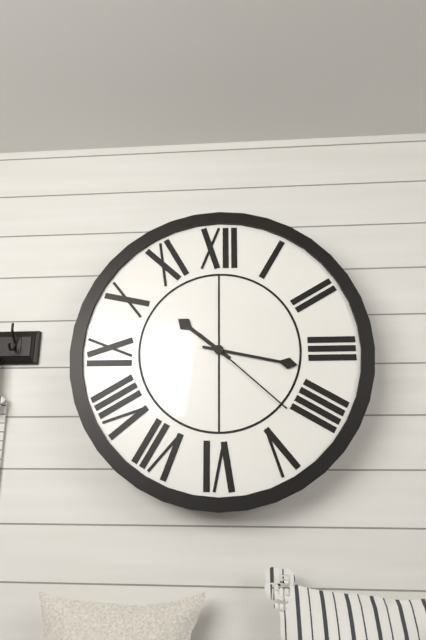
10:17:22
